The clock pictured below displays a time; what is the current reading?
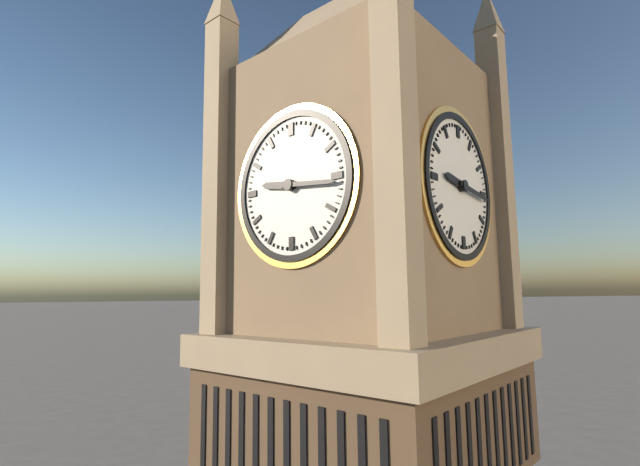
9:16
